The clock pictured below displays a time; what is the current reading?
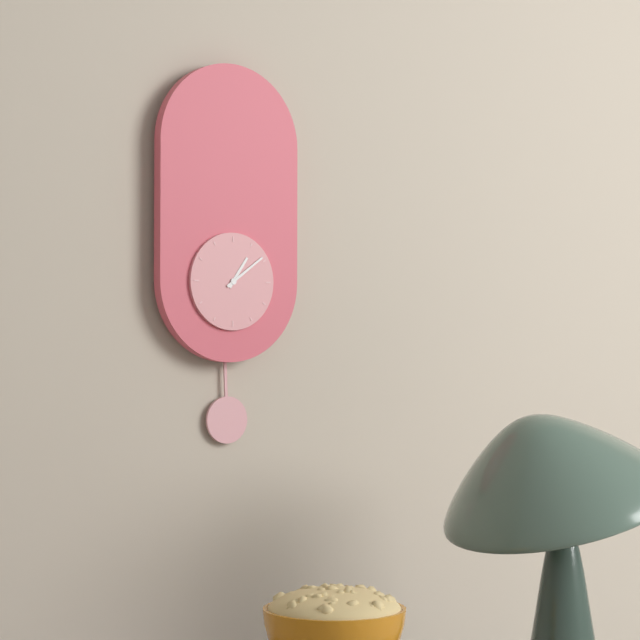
1:09
